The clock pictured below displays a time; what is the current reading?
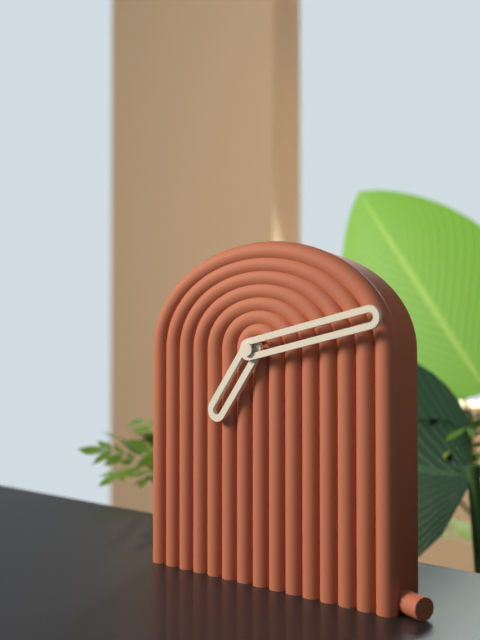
7:13
